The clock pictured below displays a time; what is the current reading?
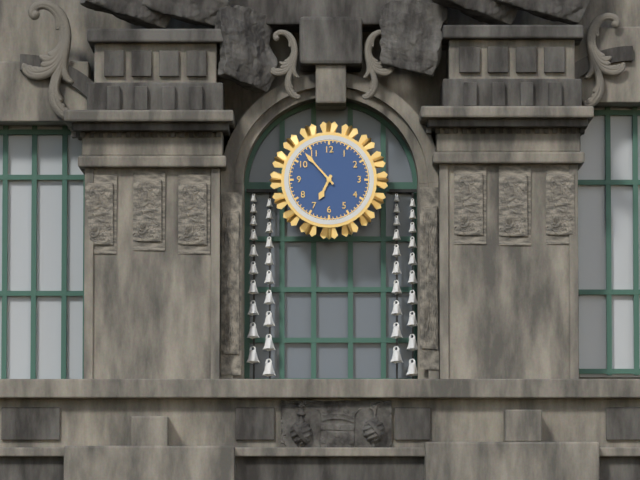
6:53
